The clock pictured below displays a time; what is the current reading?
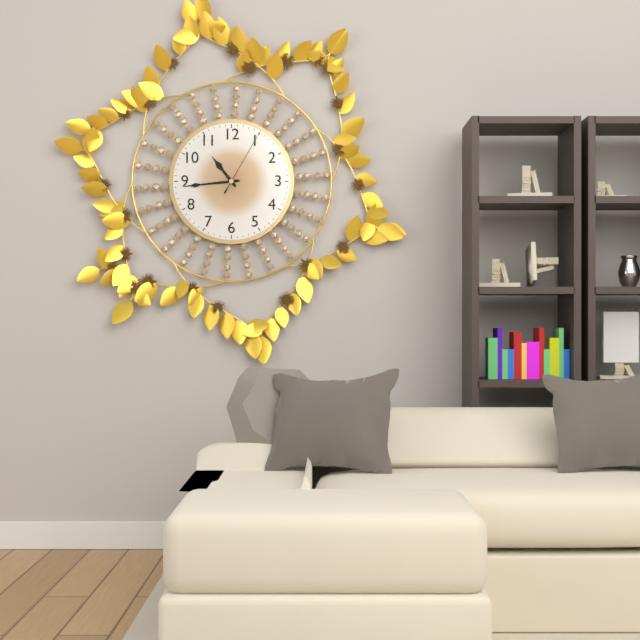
10:44:05
